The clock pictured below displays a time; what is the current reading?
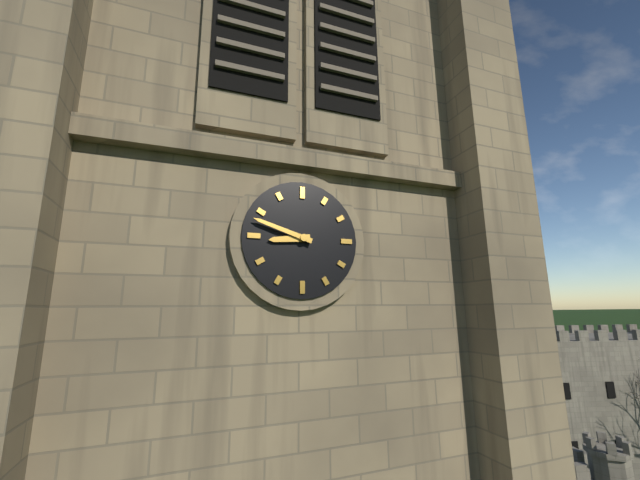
8:48
